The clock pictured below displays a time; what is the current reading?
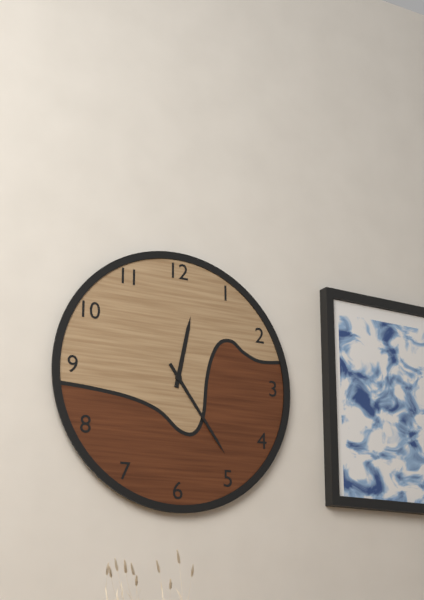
12:24
